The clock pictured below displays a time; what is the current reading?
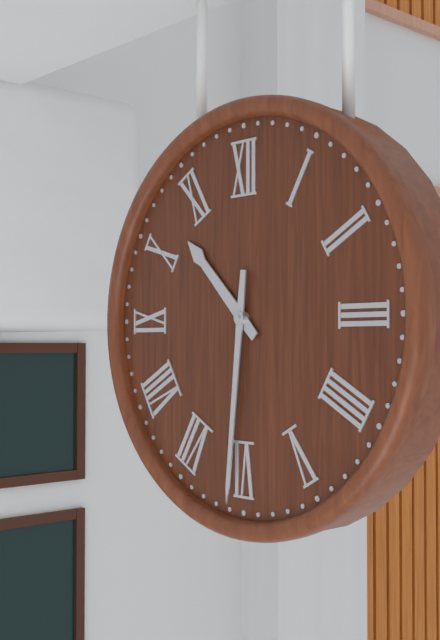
10:31
